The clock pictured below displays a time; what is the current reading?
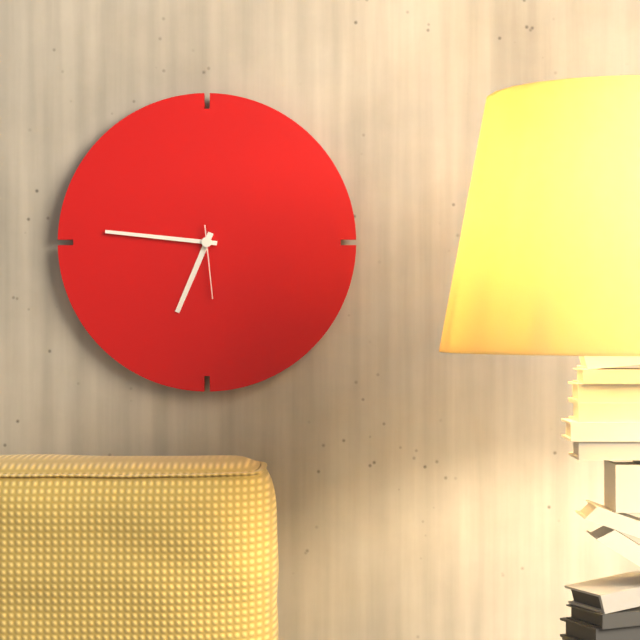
6:46:29
